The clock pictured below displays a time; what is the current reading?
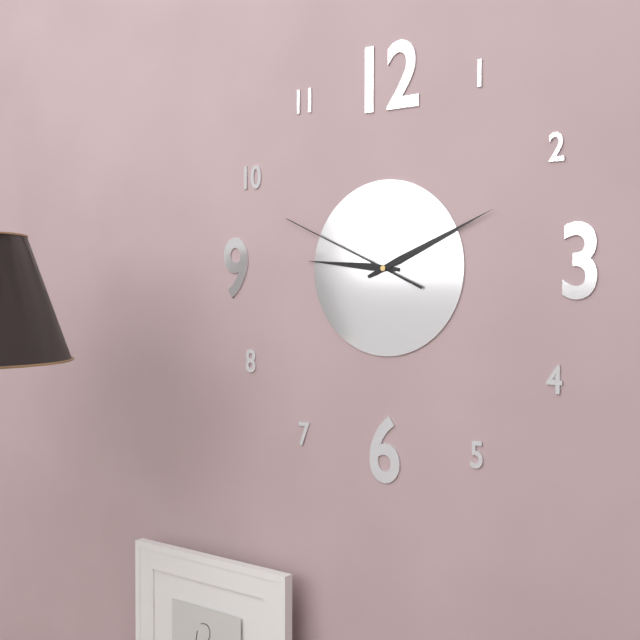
9:11:49
